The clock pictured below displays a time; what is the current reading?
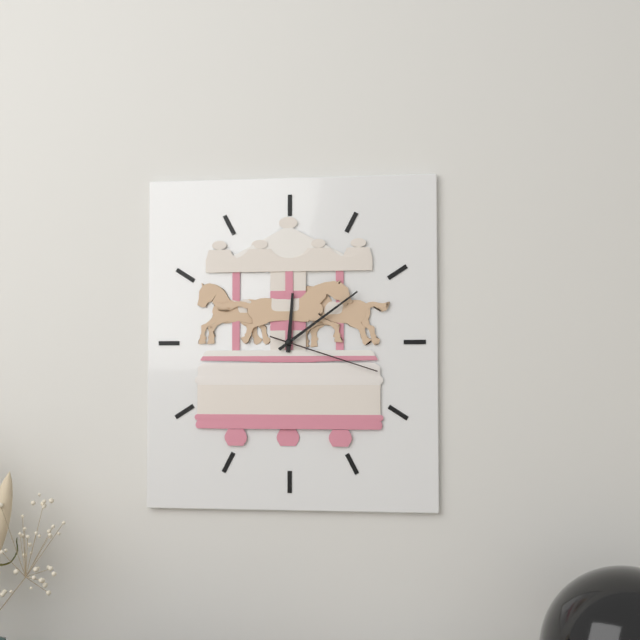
12:09:18
